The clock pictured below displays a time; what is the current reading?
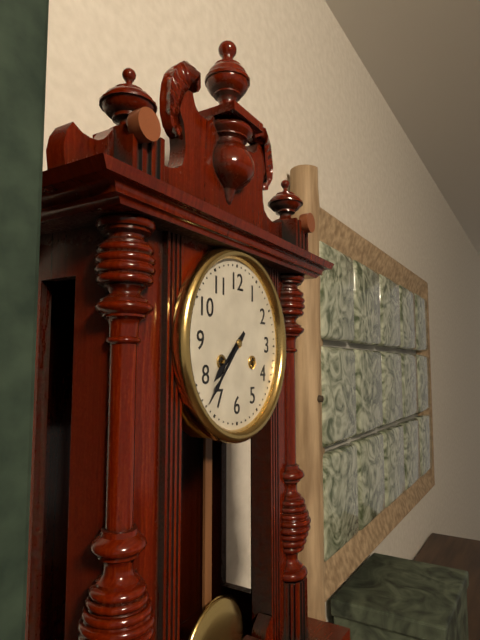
7:37
